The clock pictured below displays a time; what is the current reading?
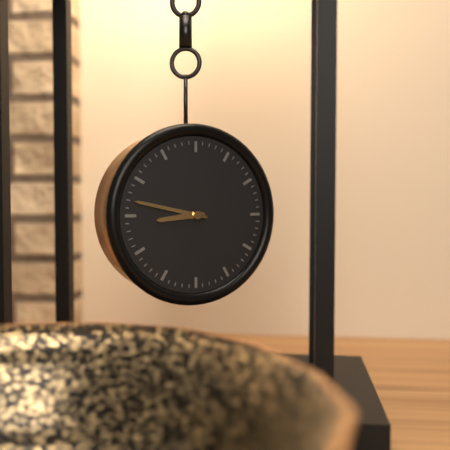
8:47
